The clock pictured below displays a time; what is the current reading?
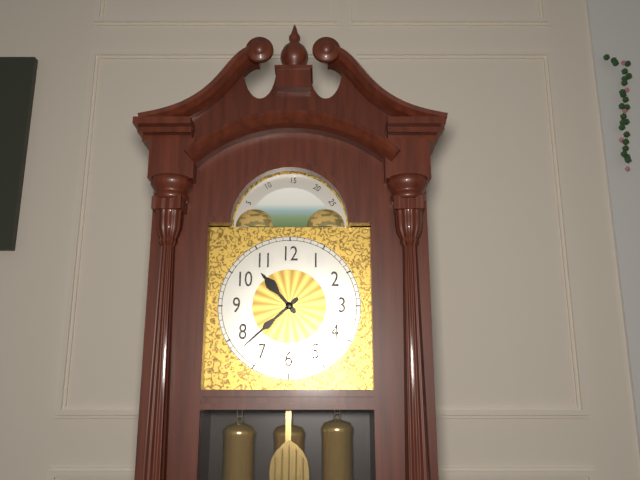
10:38
